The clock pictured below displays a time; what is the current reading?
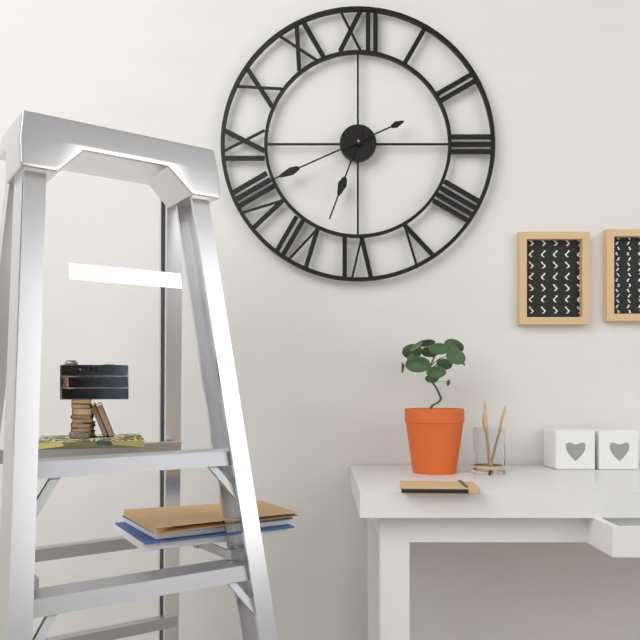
6:41
